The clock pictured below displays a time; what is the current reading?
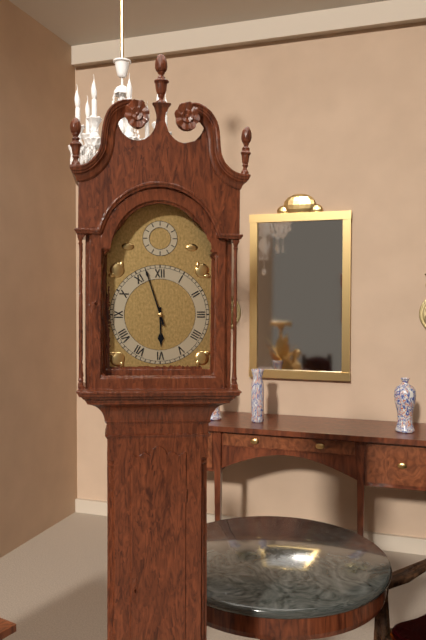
5:57
